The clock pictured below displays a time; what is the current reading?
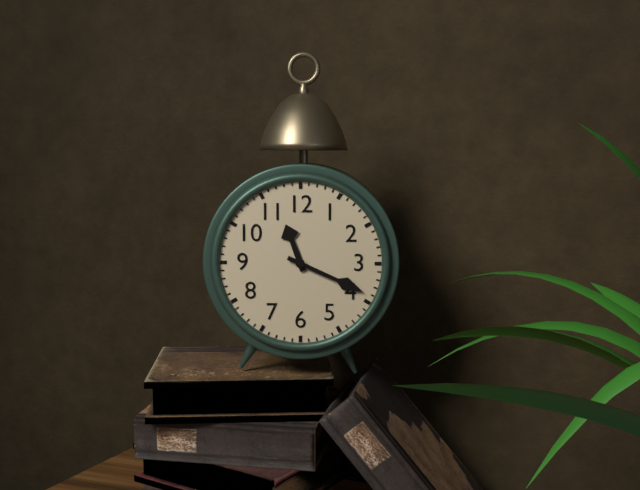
11:19
